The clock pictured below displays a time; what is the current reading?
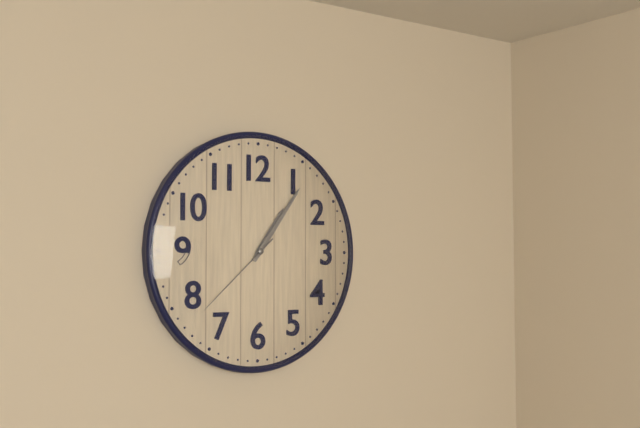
1:06:38
